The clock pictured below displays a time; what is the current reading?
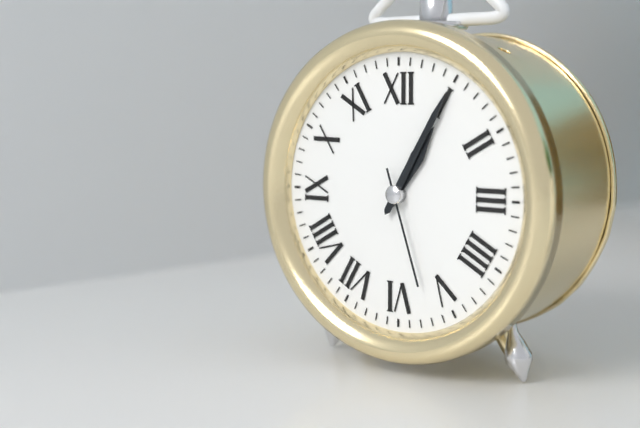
1:05:27
